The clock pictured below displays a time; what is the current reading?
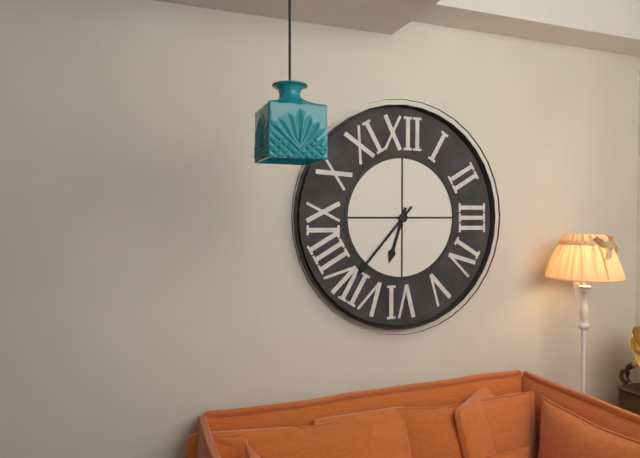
6:37
